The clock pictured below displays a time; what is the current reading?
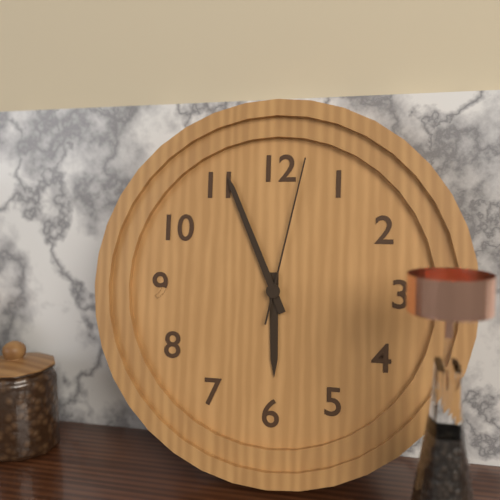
5:56:02
